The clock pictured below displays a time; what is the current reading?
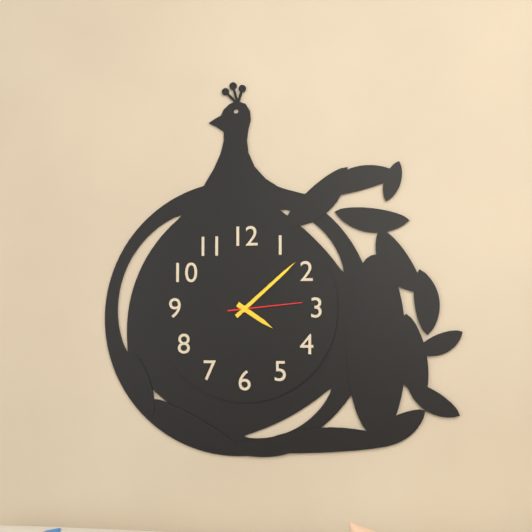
4:08:14
